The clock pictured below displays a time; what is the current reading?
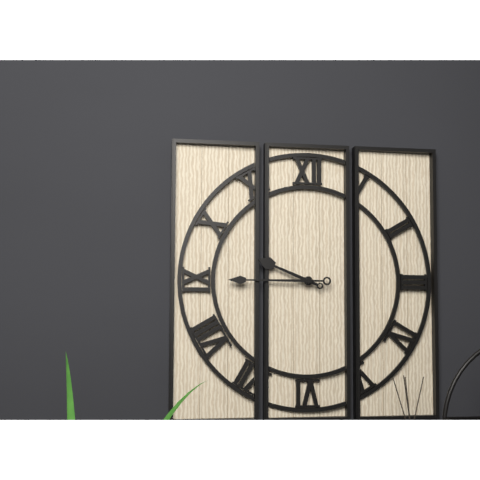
9:45
